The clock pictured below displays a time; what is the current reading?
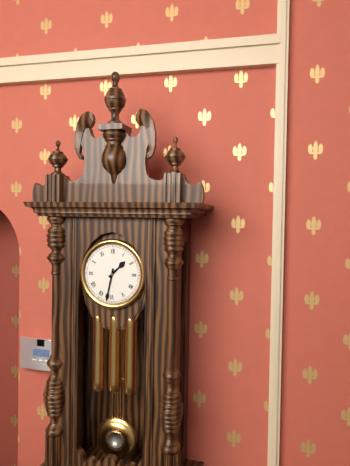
1:32
